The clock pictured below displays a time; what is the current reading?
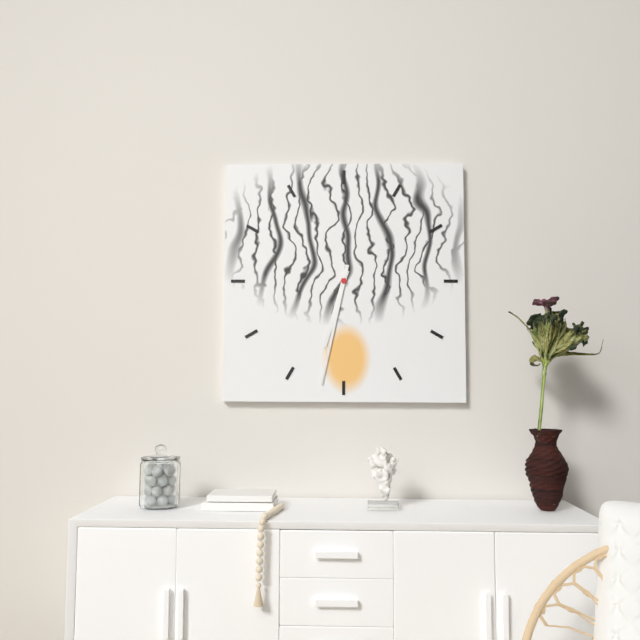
6:32
